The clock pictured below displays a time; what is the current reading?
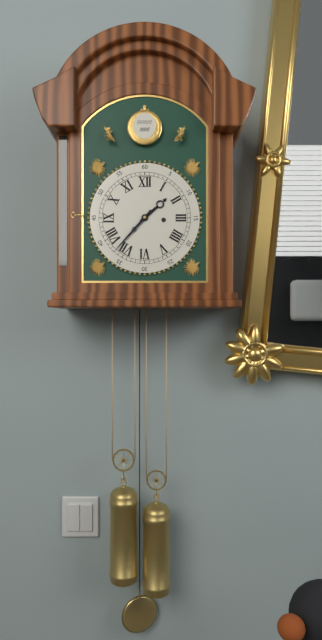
1:37
